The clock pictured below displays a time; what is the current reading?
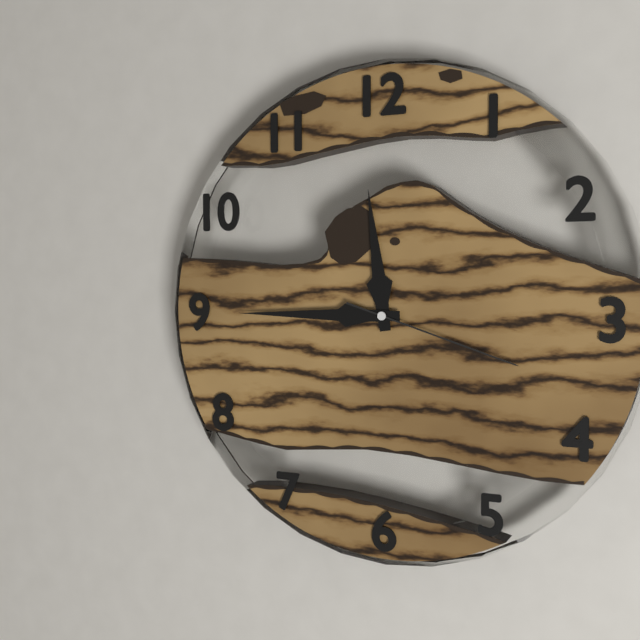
11:45:18
